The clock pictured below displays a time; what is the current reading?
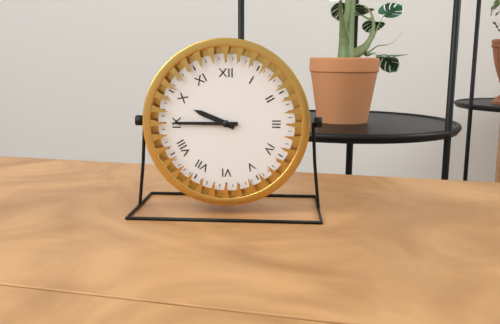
9:45
